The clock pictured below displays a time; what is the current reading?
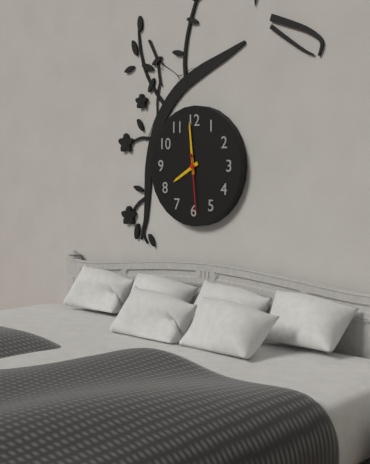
7:59:29
